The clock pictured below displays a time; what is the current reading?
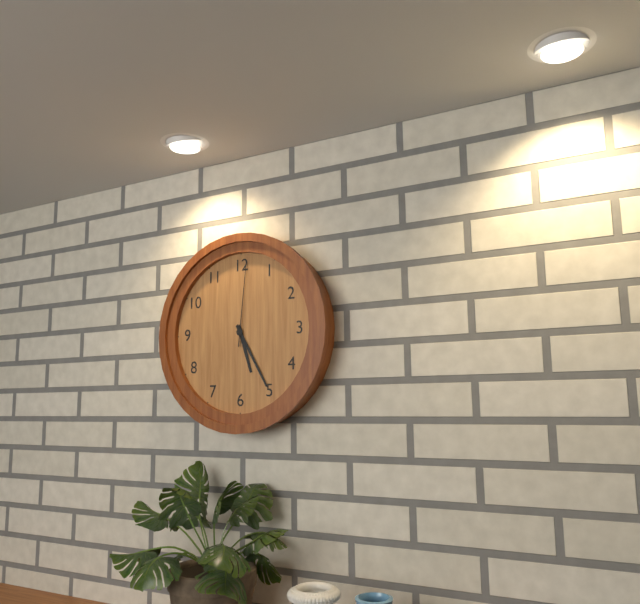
5:25:01
